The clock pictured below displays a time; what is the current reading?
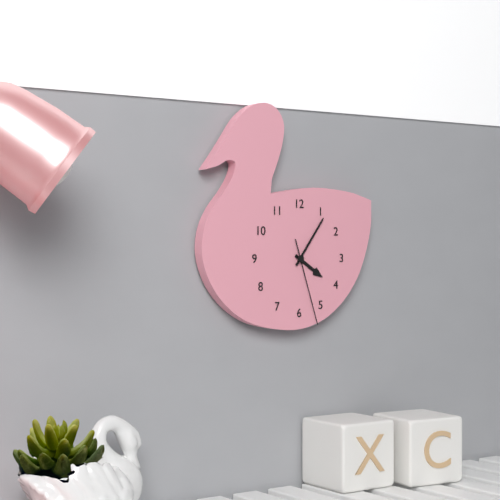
4:06:27
